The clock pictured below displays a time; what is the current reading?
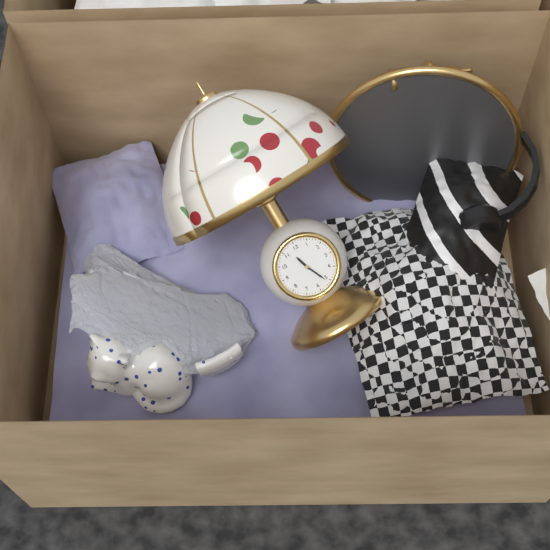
11:26
